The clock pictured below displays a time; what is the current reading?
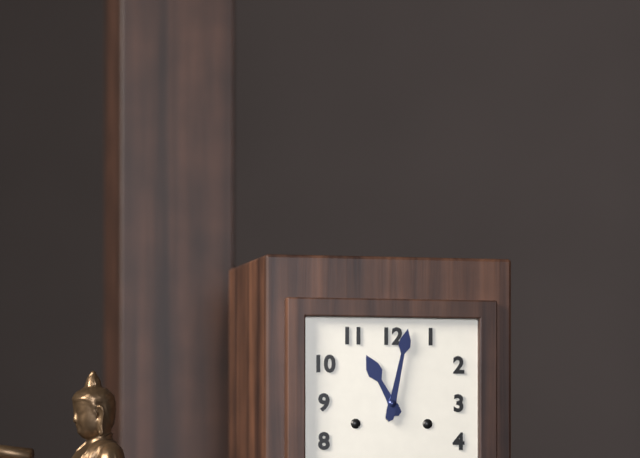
11:02
